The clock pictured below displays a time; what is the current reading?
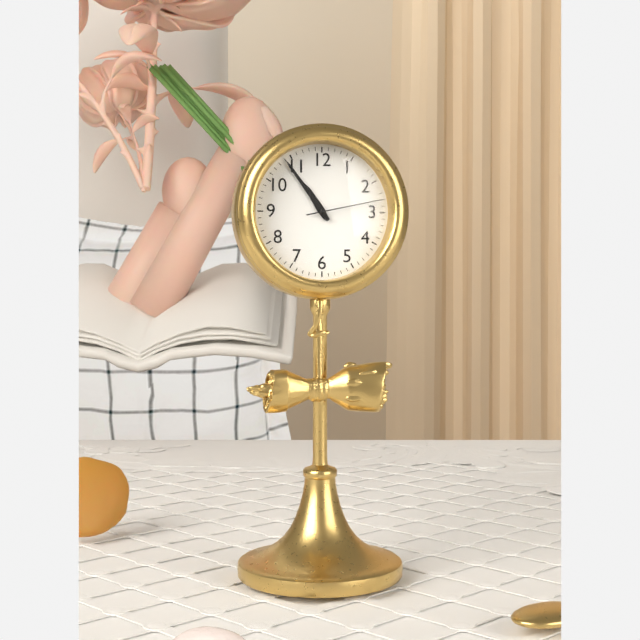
10:54:13
